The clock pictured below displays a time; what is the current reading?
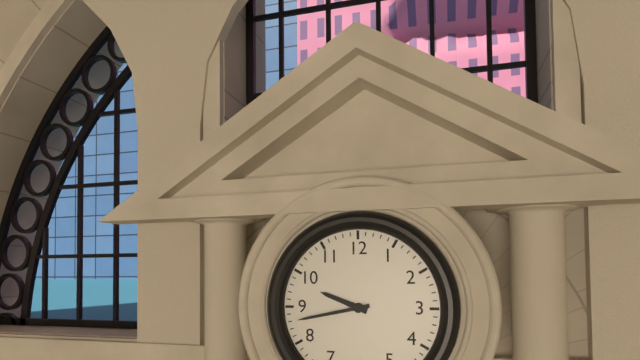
9:43
